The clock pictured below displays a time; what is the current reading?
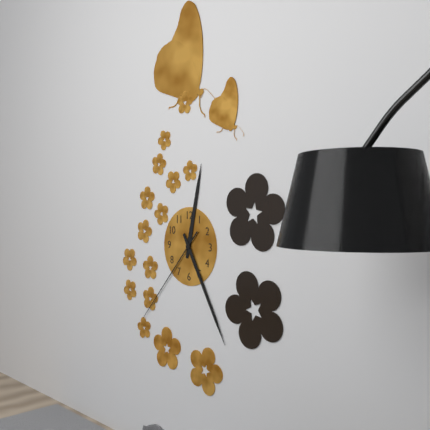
12:25:37
